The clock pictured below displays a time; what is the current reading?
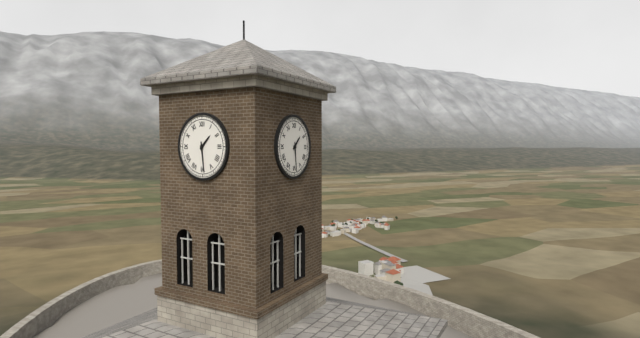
1:29
